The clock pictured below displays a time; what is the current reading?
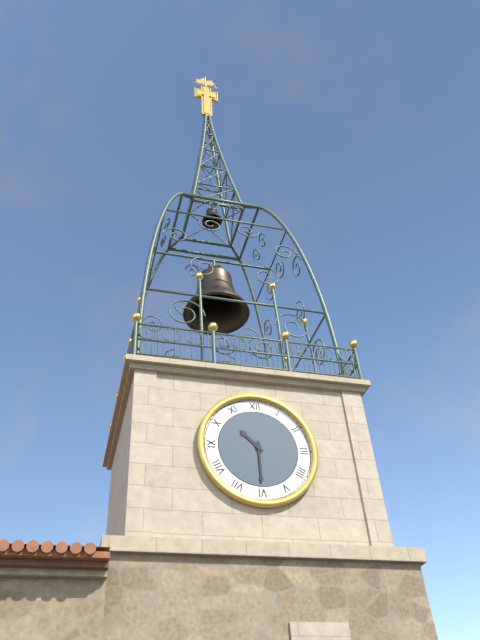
10:30
